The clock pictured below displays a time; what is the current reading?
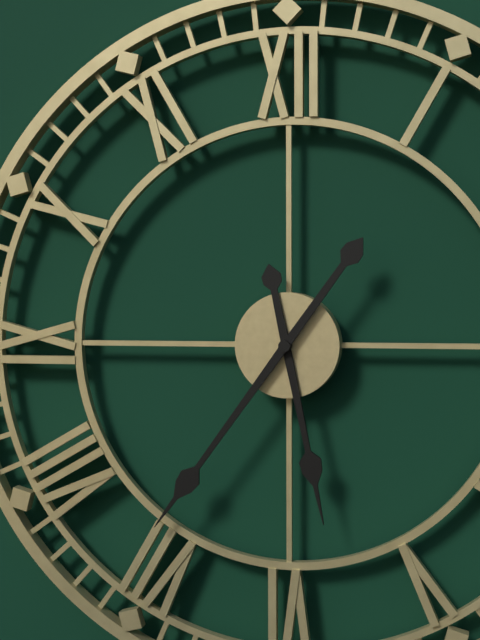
5:36
